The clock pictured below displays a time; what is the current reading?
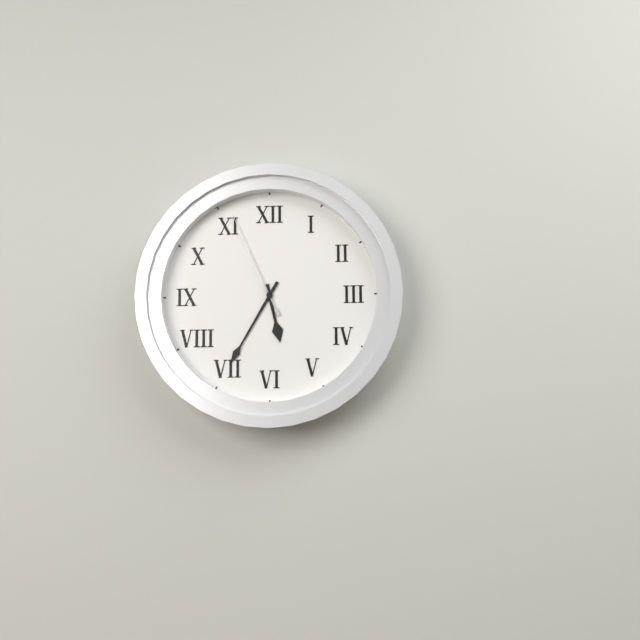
5:35:56
